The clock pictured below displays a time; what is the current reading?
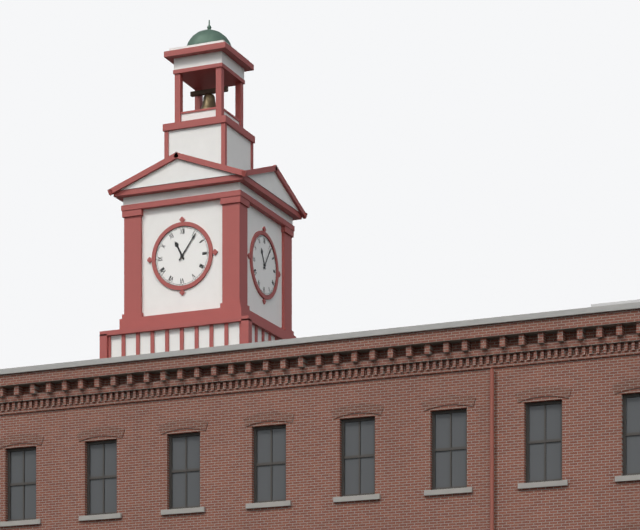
11:06
